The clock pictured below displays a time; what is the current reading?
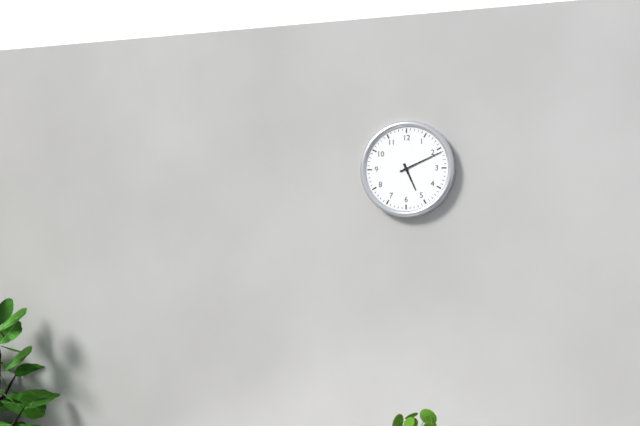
5:11
